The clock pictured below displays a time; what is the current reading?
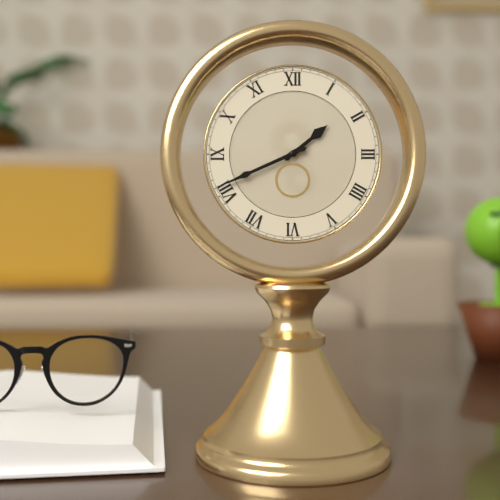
1:41
